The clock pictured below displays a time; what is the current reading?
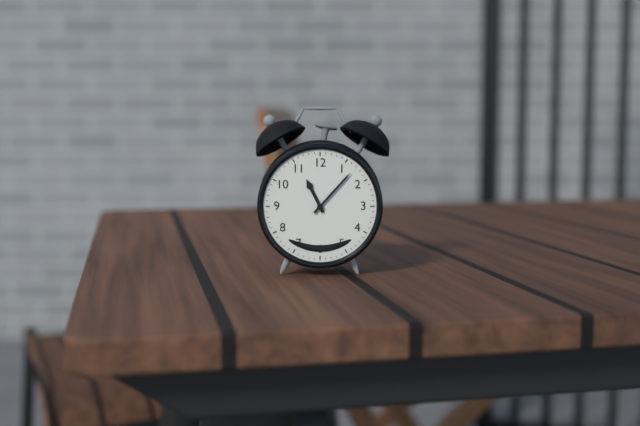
11:07
